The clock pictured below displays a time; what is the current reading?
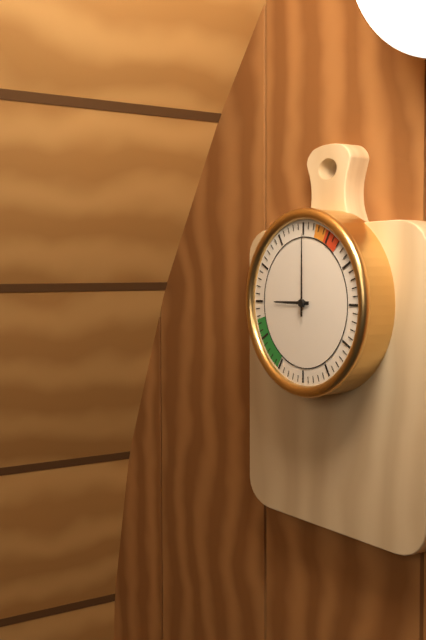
9:00
